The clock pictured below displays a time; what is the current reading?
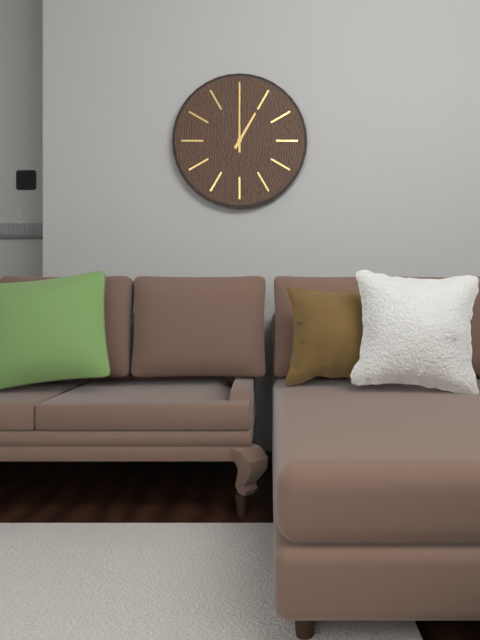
1:00
